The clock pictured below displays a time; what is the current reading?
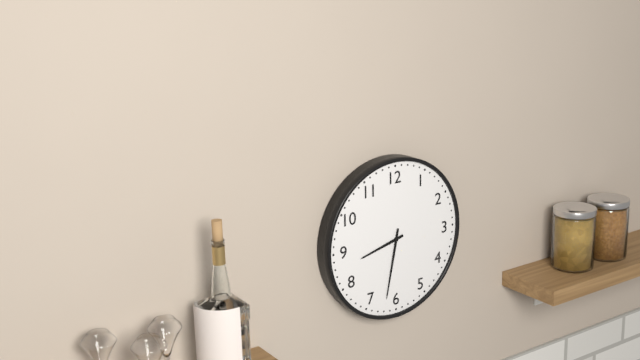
8:32
